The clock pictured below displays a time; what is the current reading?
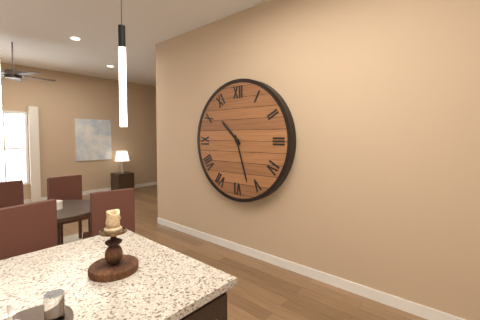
10:27
